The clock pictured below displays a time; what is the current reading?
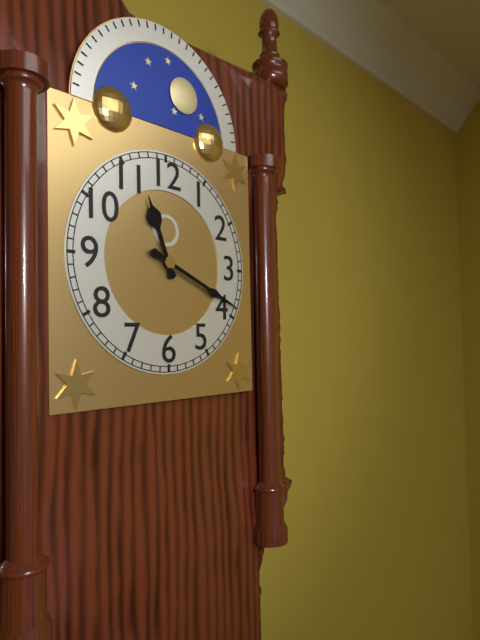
11:19
